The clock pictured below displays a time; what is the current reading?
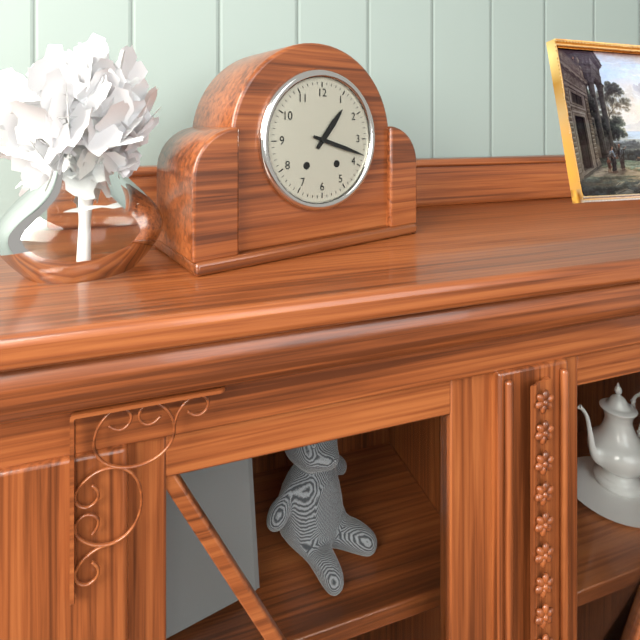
1:18
